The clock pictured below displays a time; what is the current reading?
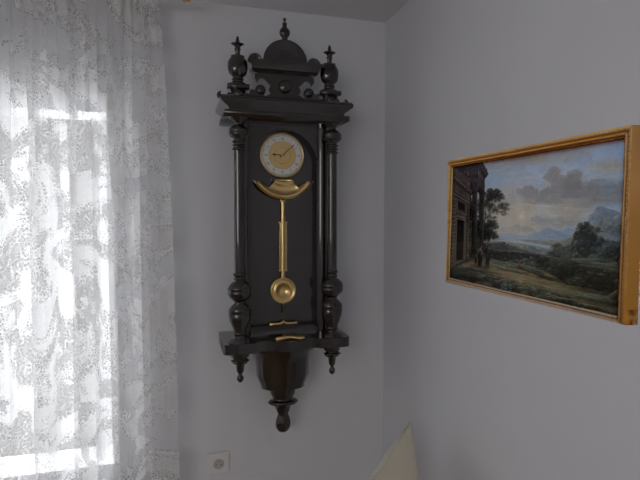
9:08
